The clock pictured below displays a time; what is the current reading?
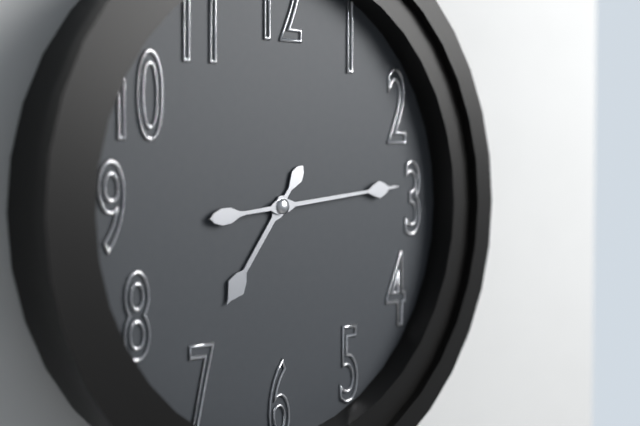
7:14
